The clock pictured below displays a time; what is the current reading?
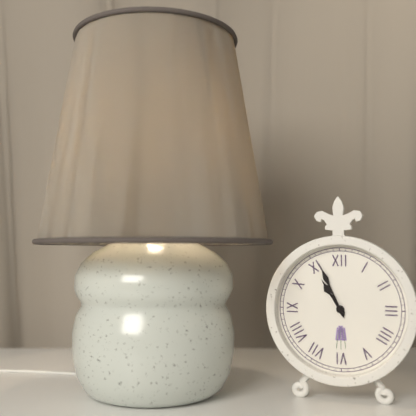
10:56
